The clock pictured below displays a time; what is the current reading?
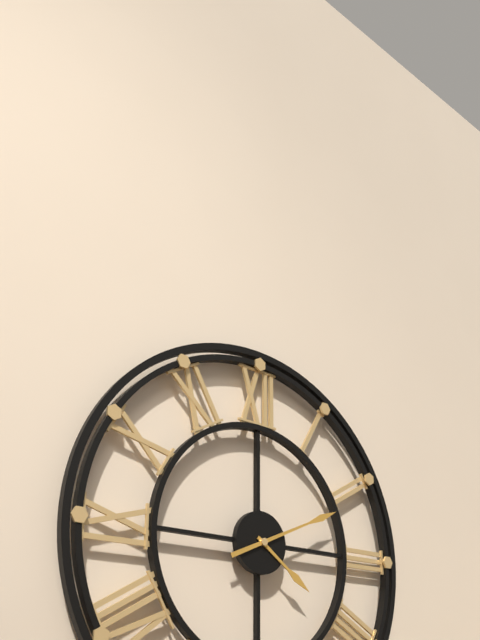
4:11
